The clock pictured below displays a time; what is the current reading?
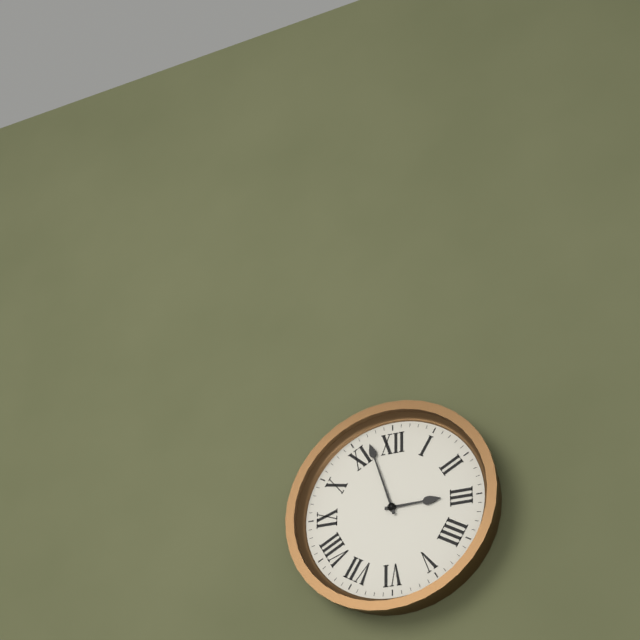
2:57
